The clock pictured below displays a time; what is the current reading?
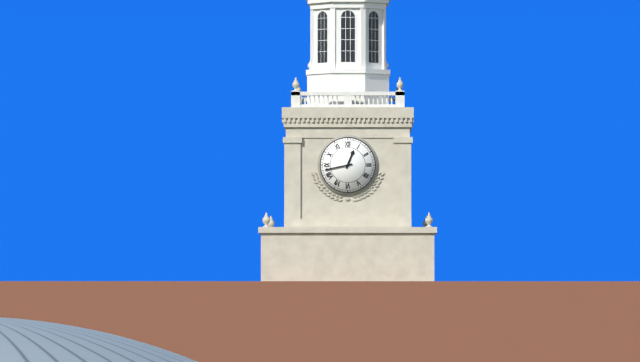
12:43
